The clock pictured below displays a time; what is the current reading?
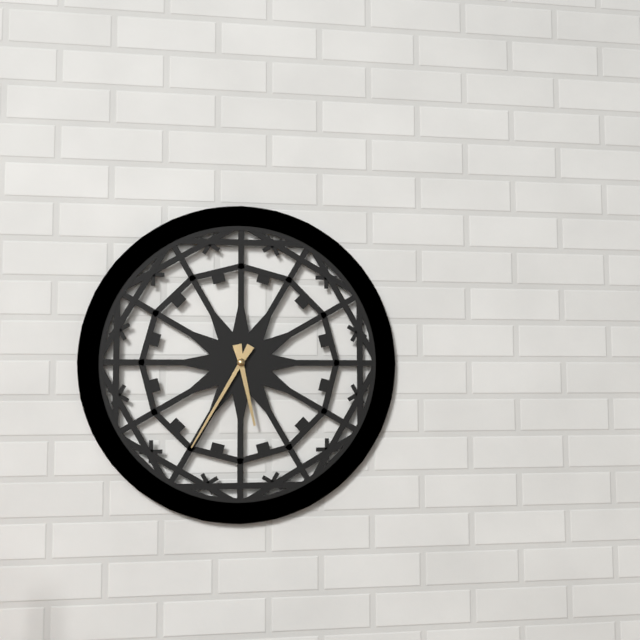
5:35
